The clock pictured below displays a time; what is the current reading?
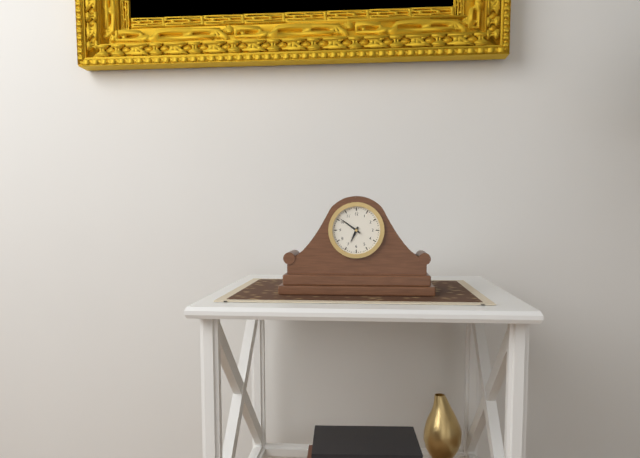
6:51
